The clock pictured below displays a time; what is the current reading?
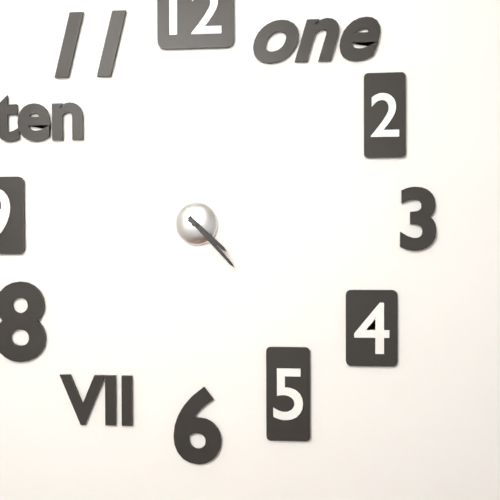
4:23
